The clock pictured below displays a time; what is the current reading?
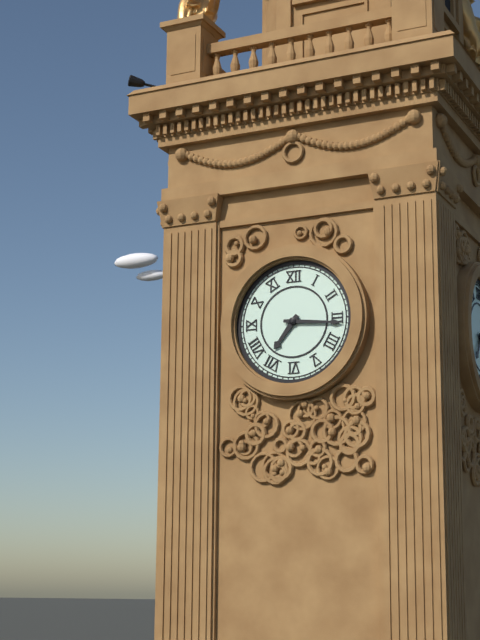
7:16
